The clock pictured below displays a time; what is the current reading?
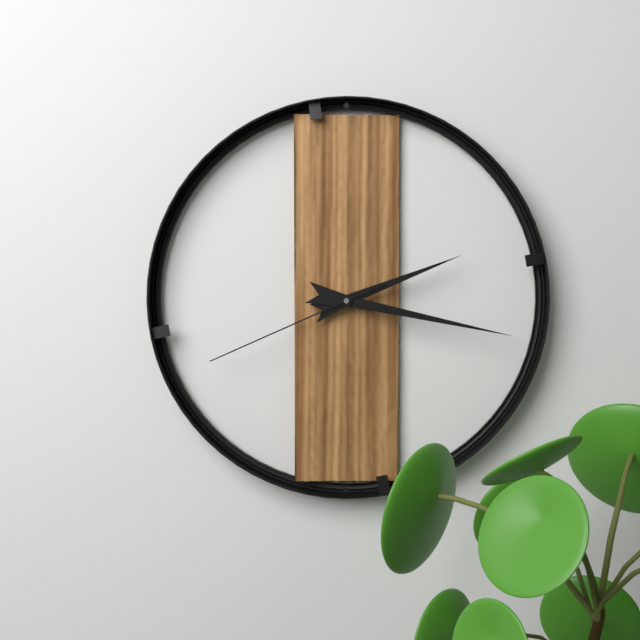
2:17:41
